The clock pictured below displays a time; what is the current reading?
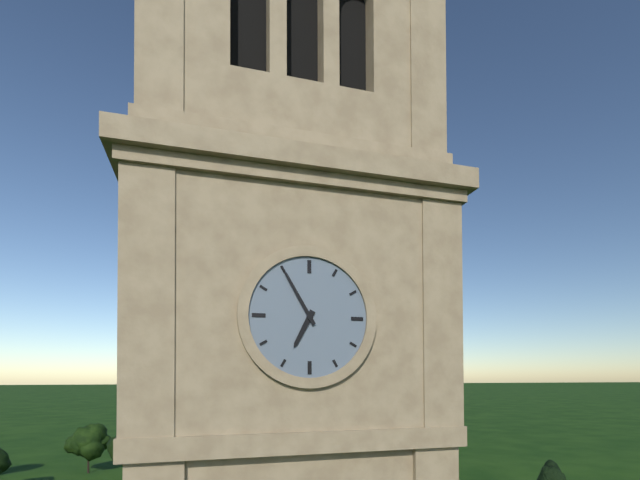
6:55
